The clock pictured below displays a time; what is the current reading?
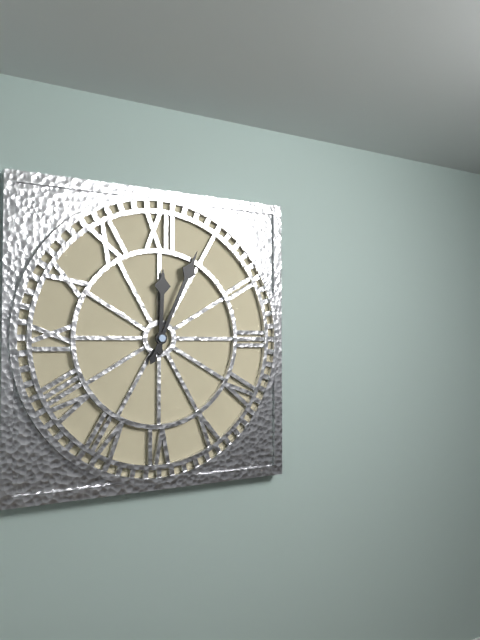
12:04
